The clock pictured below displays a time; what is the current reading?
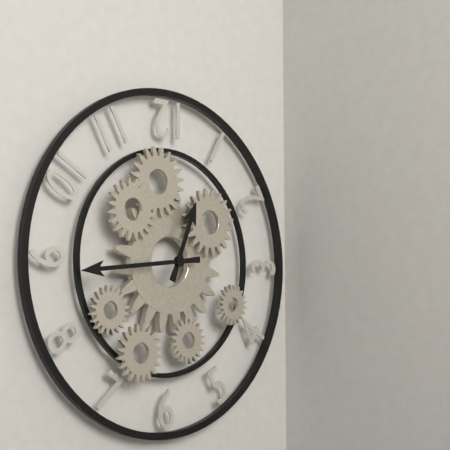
12:44
